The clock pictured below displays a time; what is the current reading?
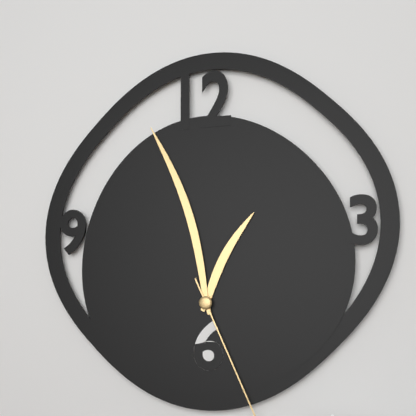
12:57
